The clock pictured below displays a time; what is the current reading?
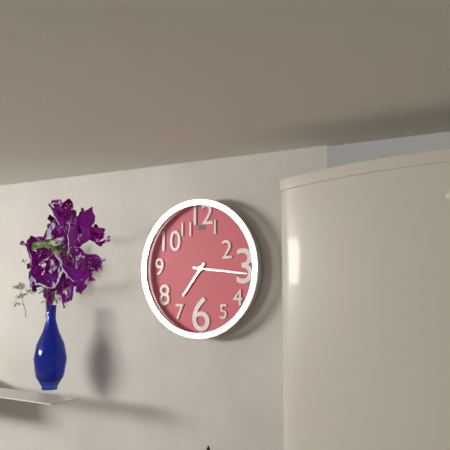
7:16
